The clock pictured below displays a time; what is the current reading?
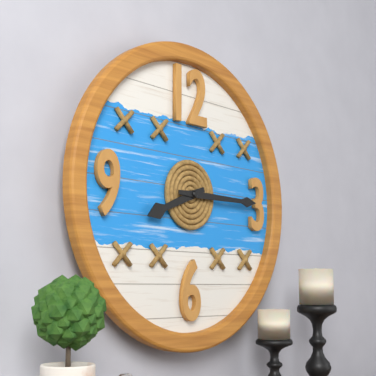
8:15
